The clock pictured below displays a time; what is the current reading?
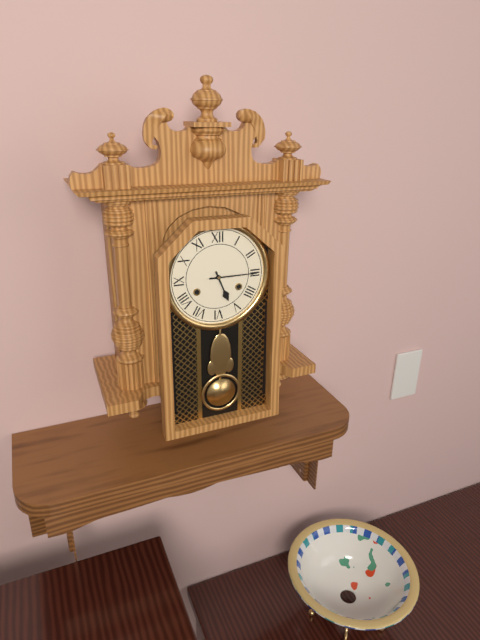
5:15
